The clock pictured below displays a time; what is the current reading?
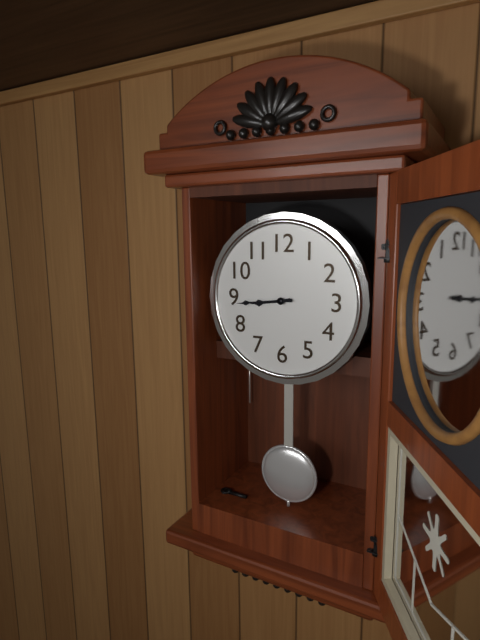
8:44
